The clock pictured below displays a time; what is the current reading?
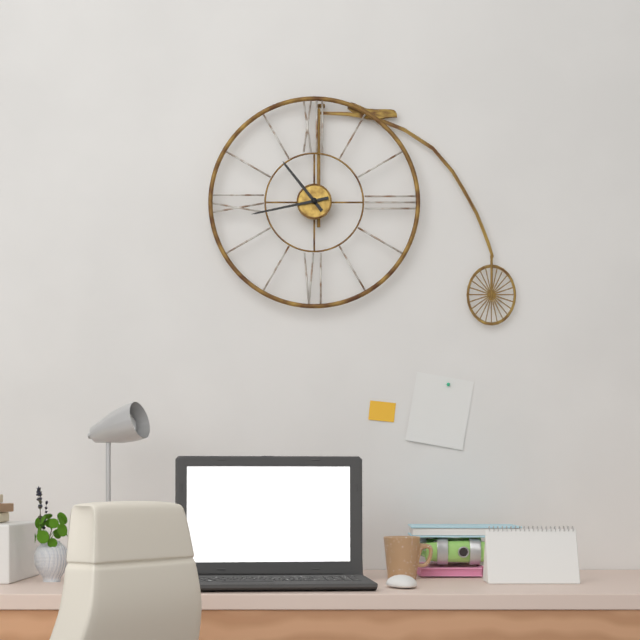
10:43
